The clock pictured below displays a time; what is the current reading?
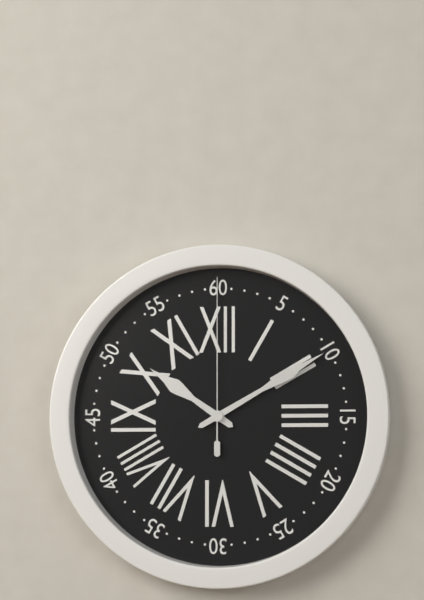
10:10:00
